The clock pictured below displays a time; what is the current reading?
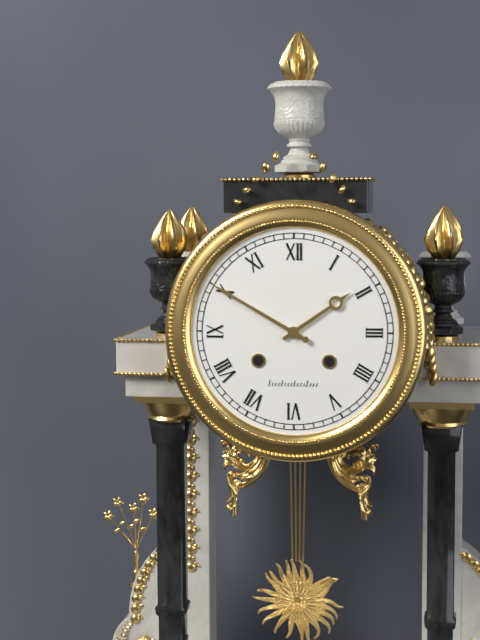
1:50
